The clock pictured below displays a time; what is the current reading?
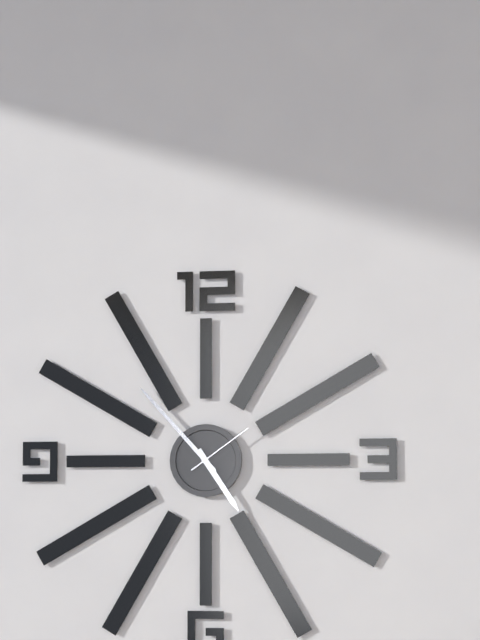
4:53:09
